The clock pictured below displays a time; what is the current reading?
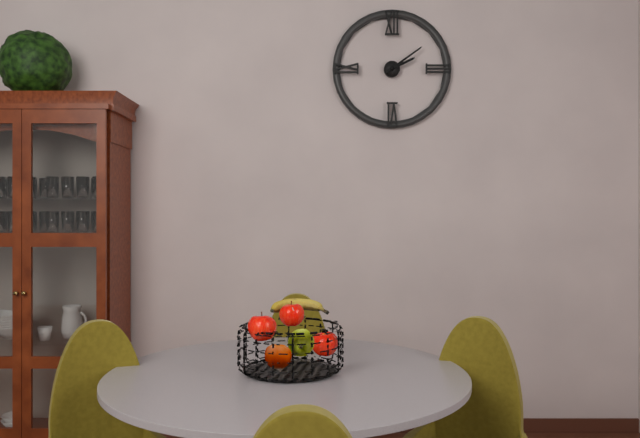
2:09
